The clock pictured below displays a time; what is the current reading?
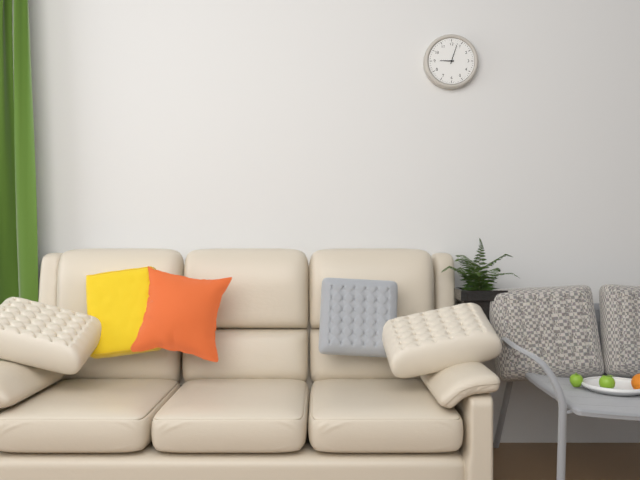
9:03
